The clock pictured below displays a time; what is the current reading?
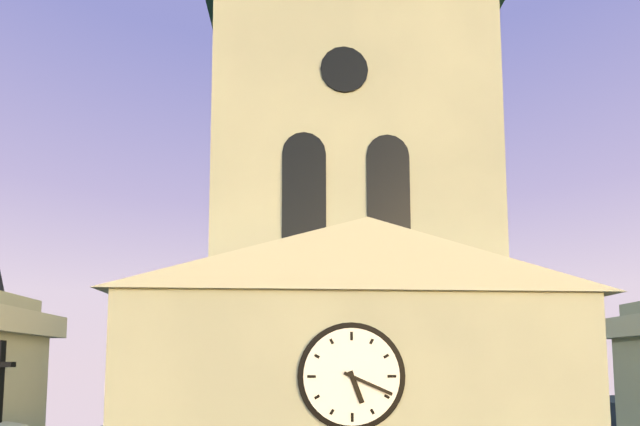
5:19
